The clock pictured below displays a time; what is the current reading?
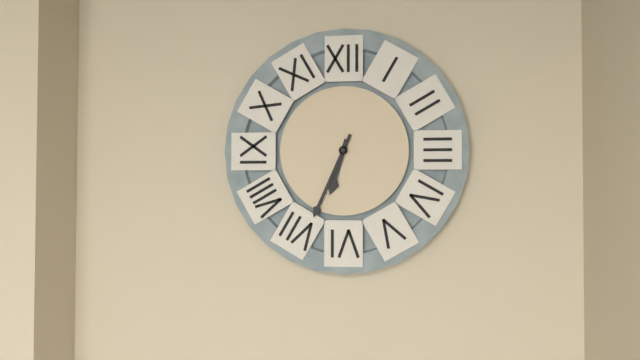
6:34
